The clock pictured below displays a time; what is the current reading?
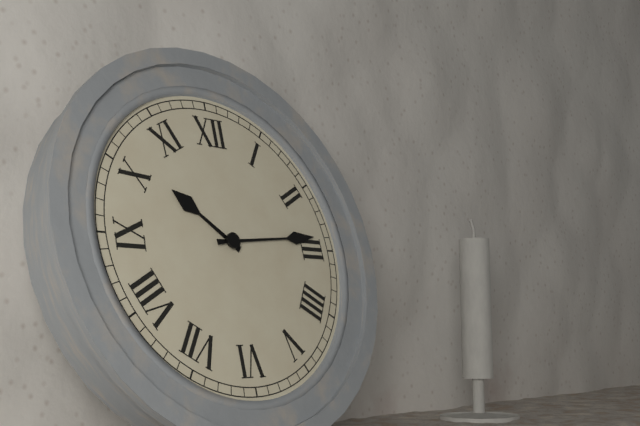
10:14
